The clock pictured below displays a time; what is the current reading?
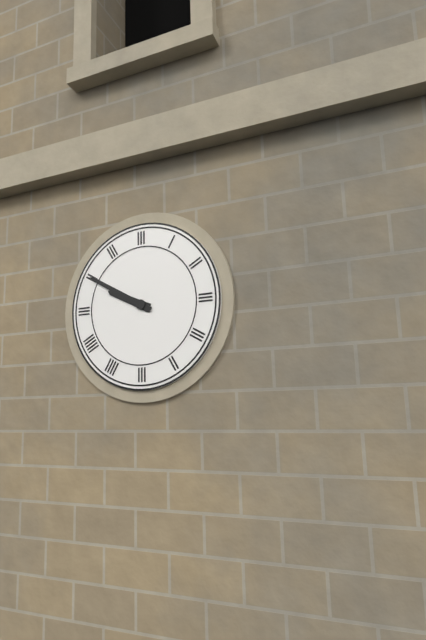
9:50
